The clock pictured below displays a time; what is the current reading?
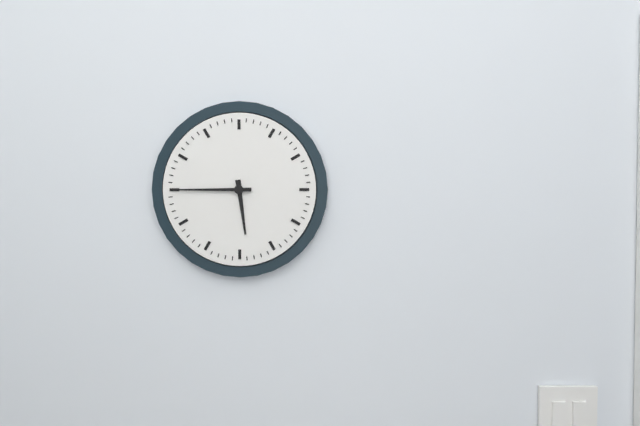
5:45
